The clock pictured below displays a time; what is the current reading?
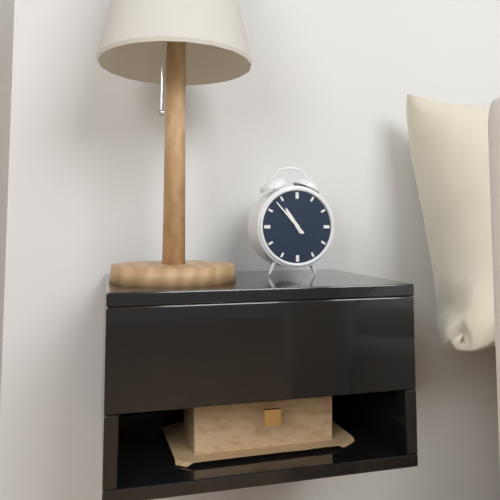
10:53
